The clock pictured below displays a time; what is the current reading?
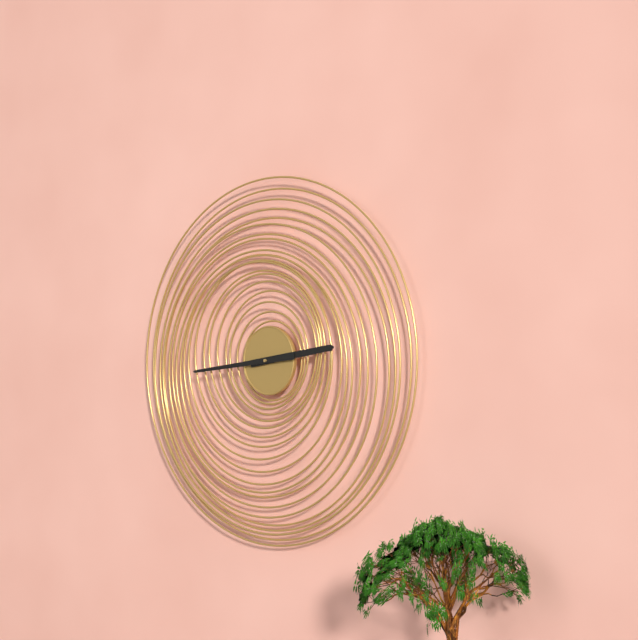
2:44
